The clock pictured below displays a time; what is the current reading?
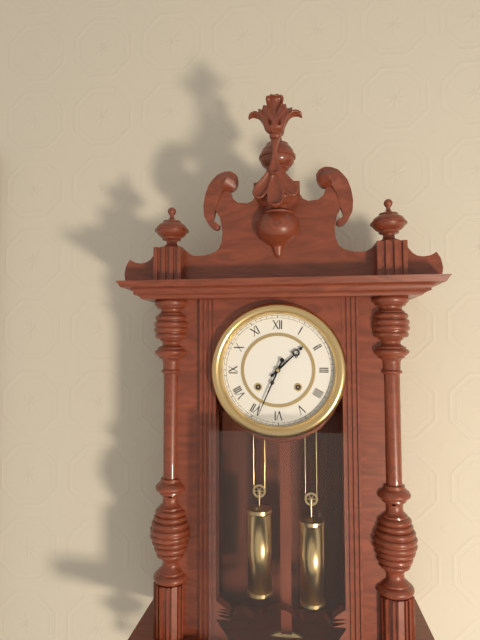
1:34
